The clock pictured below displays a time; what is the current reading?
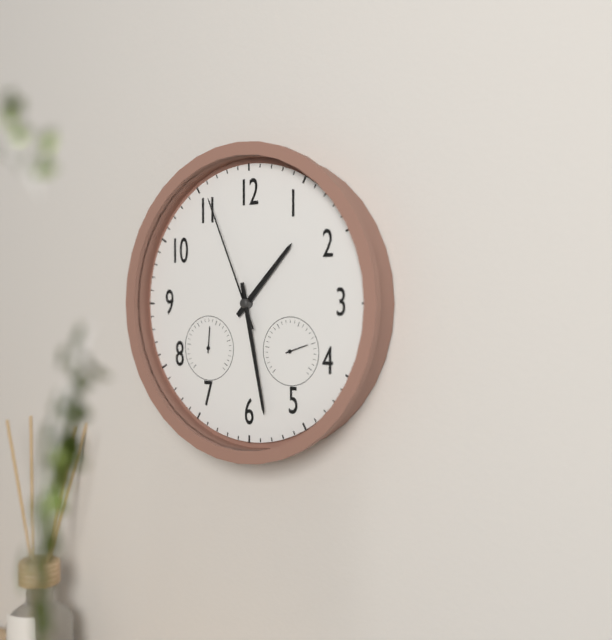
1:28:56
